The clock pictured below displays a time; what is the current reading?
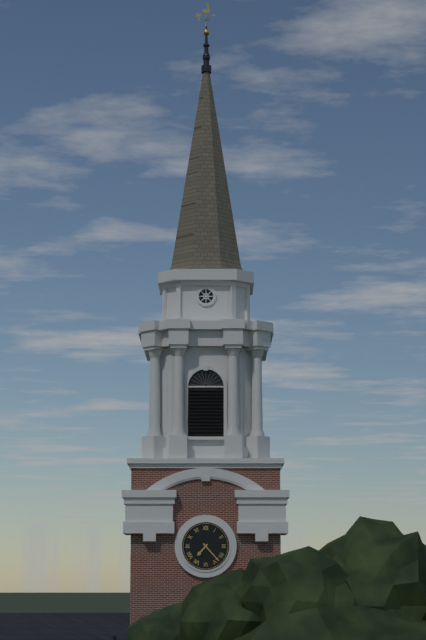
7:23
